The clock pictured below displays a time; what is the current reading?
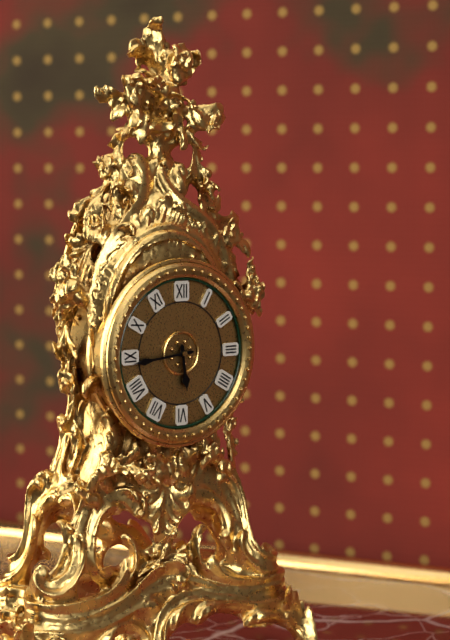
5:44
